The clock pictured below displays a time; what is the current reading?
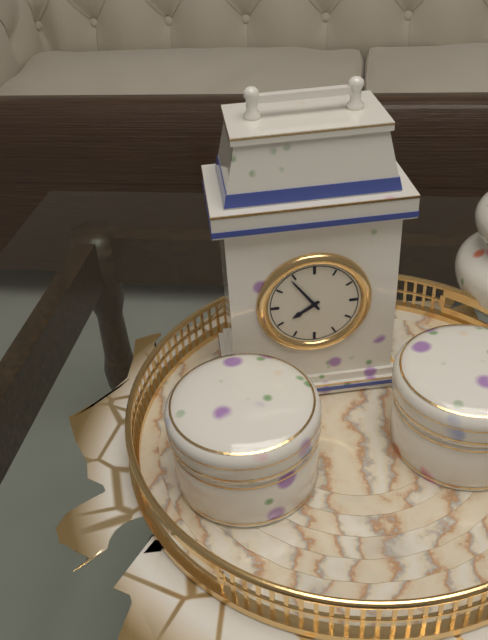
7:54
